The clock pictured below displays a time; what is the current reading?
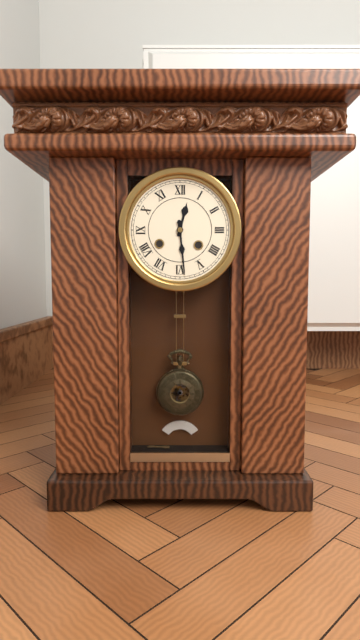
12:29
